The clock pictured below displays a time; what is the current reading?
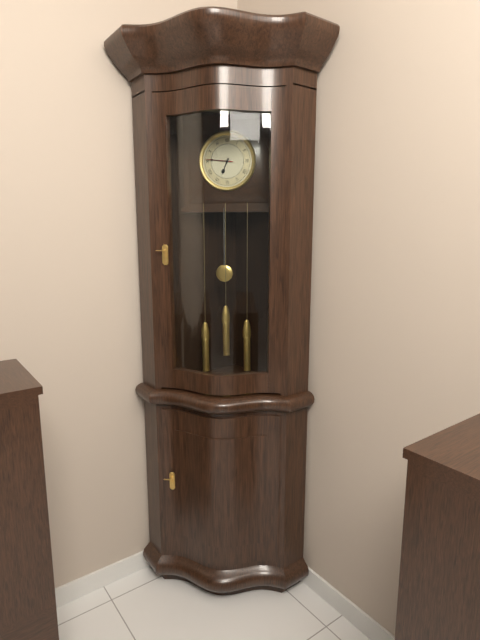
6:46
